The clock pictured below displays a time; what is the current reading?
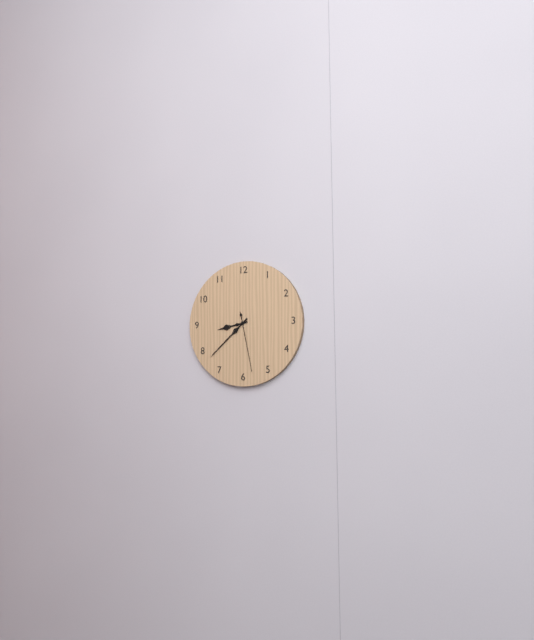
8:38:28
